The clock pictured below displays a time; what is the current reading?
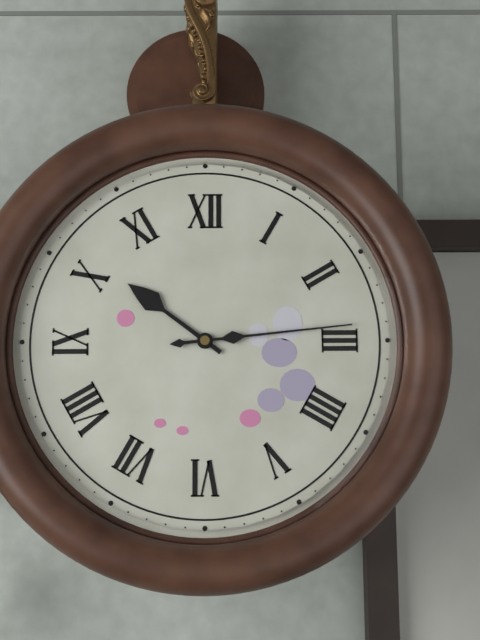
10:14
